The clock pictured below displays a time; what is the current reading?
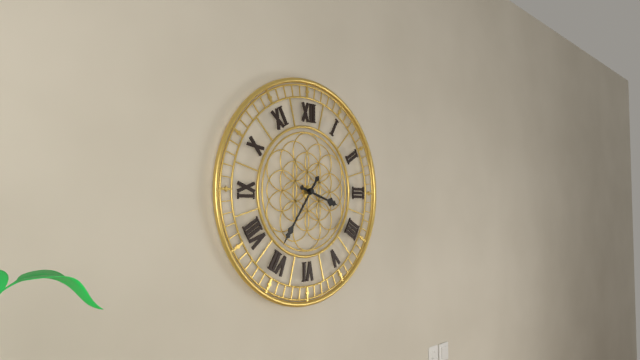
3:36
